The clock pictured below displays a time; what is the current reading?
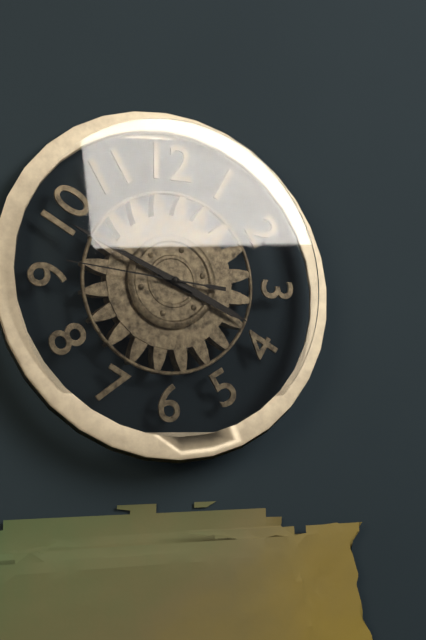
3:49:46
